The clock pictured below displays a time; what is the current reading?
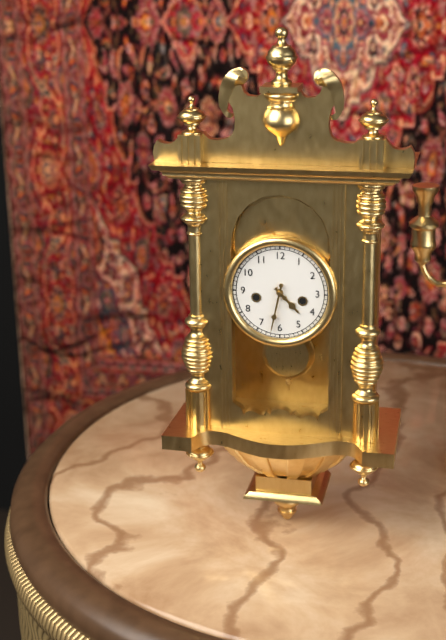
4:32
